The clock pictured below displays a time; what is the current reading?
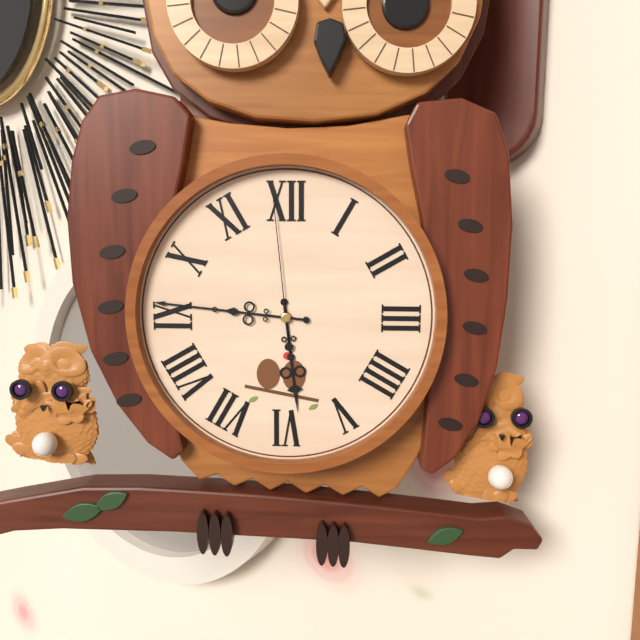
5:46:59
